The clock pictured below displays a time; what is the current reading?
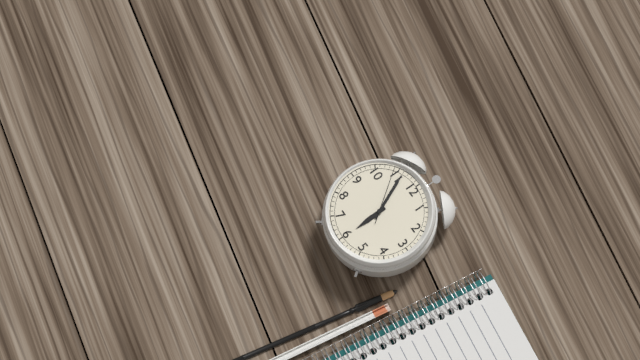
5:56:54
